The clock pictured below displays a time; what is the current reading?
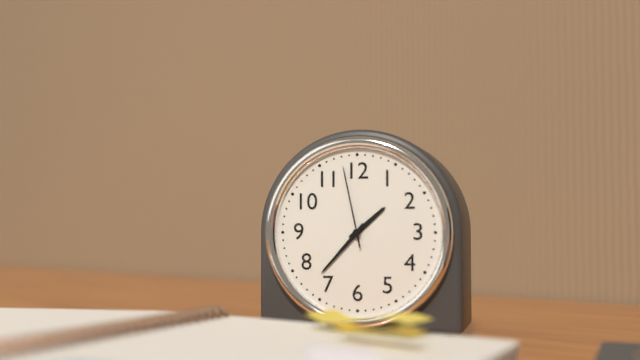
1:37:58
